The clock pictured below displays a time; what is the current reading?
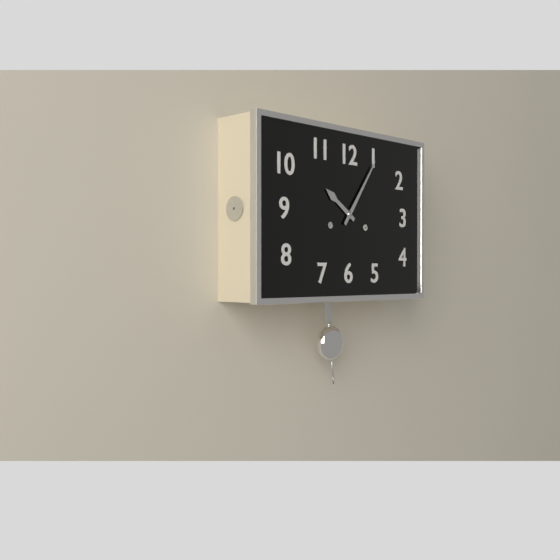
10:06
